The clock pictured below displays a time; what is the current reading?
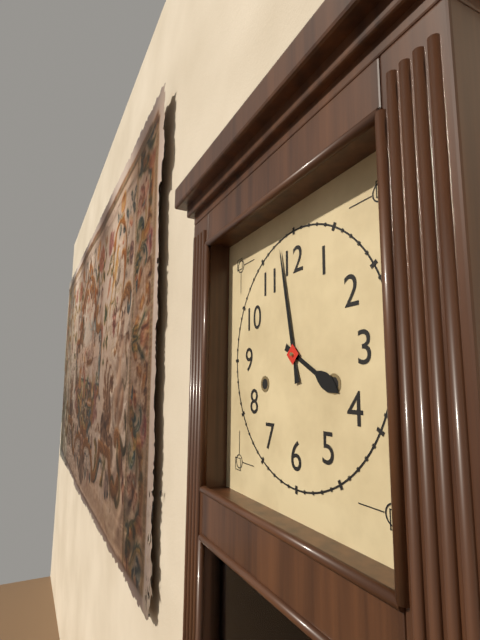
3:58
